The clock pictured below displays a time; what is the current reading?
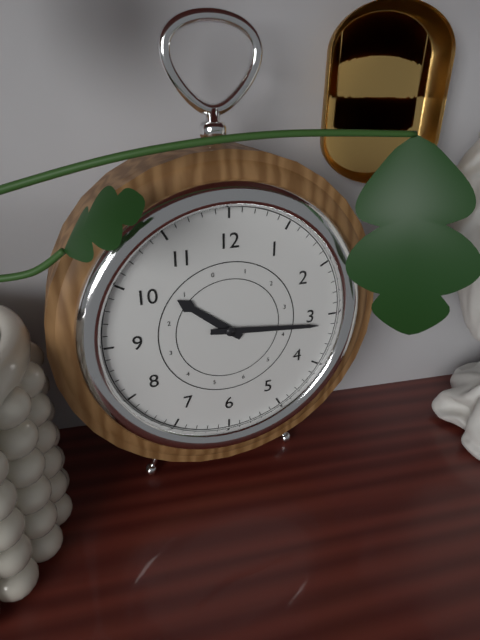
10:16
